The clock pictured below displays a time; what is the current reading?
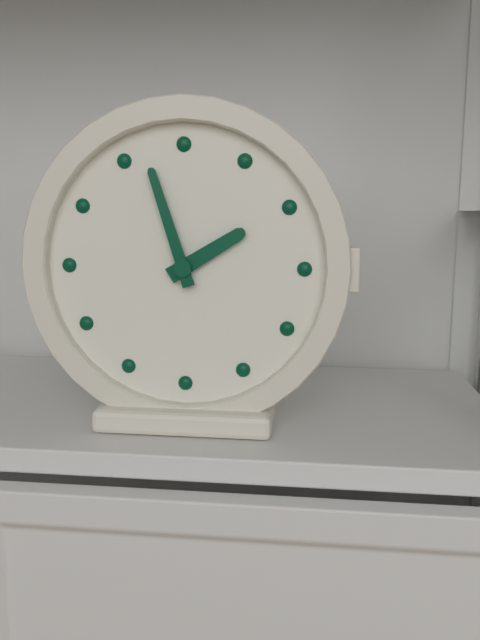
1:57
